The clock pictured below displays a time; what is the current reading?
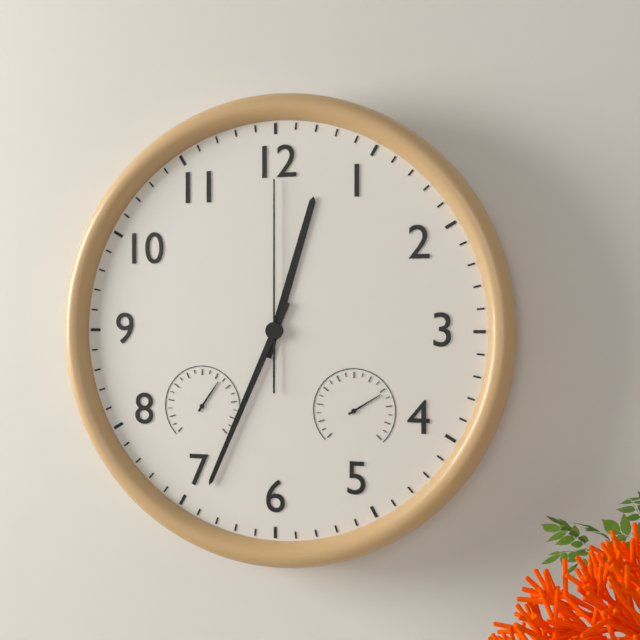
12:34:00
